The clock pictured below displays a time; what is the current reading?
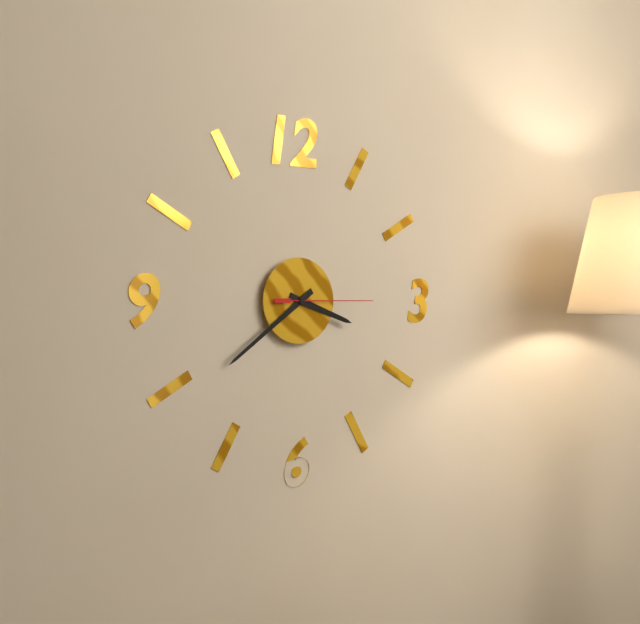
3:39:15
